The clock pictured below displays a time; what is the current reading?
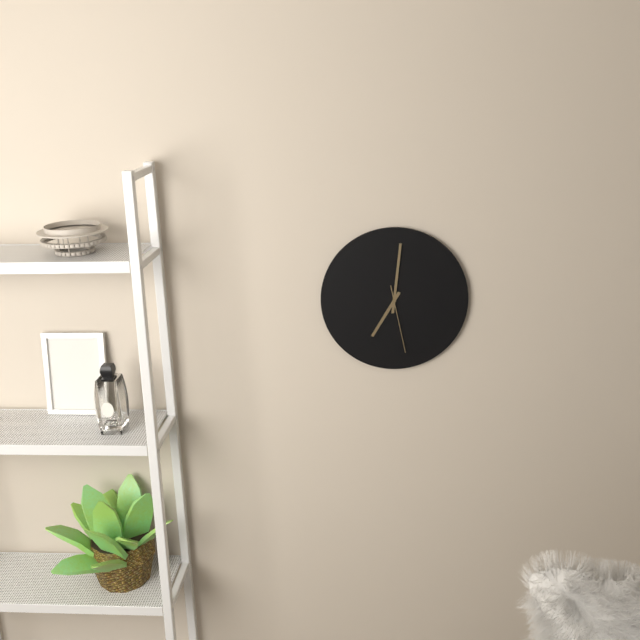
7:01:28
